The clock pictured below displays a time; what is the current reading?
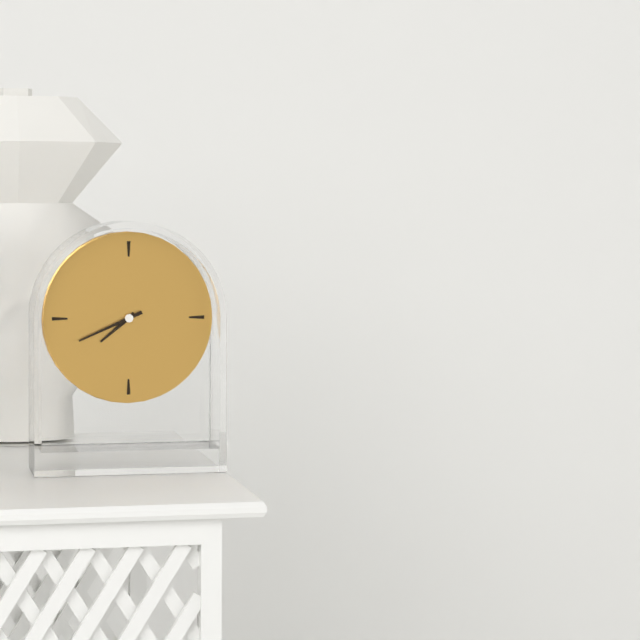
7:41
